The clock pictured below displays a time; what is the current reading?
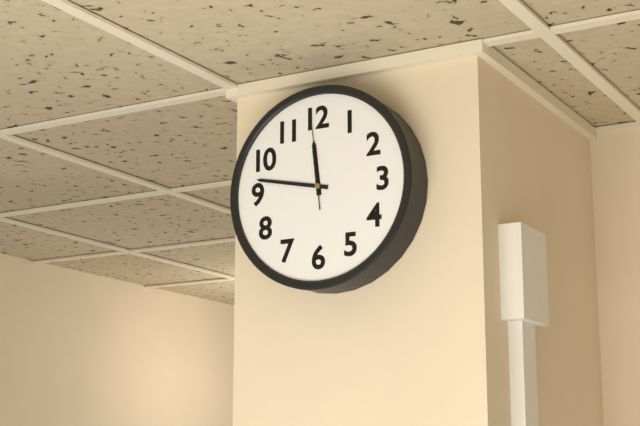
11:47:59
